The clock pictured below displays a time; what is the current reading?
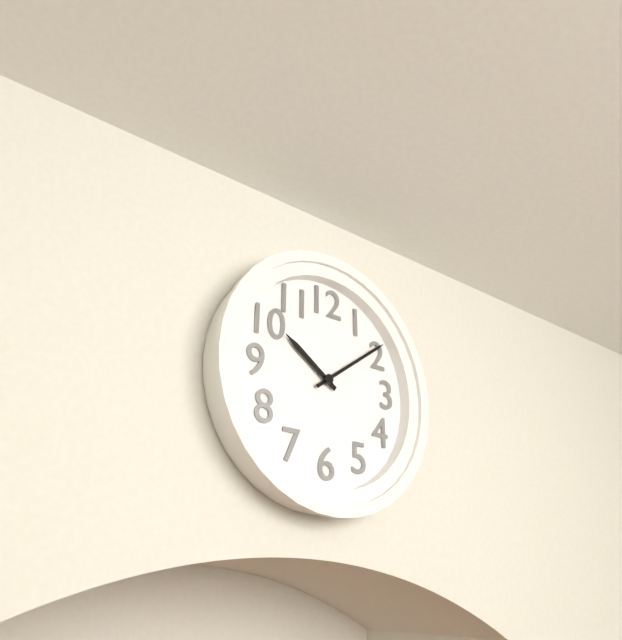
10:09
